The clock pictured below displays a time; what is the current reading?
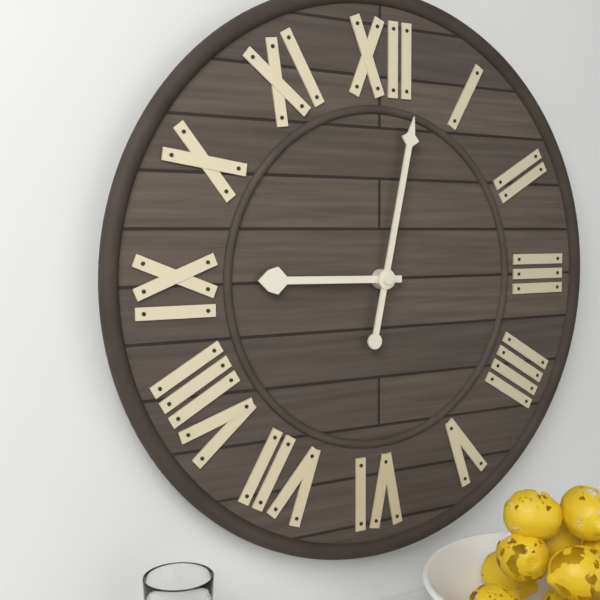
9:02
